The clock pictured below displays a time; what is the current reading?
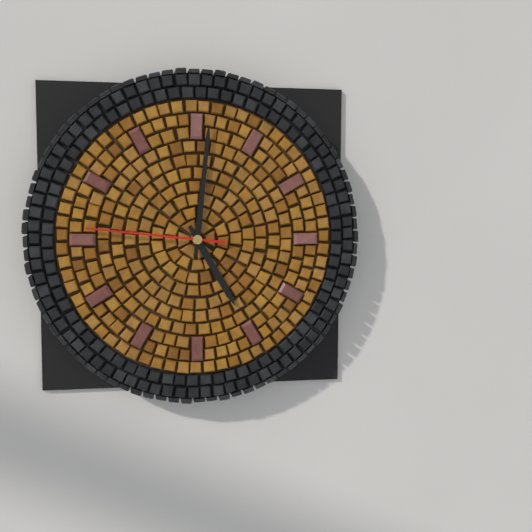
5:01:46
